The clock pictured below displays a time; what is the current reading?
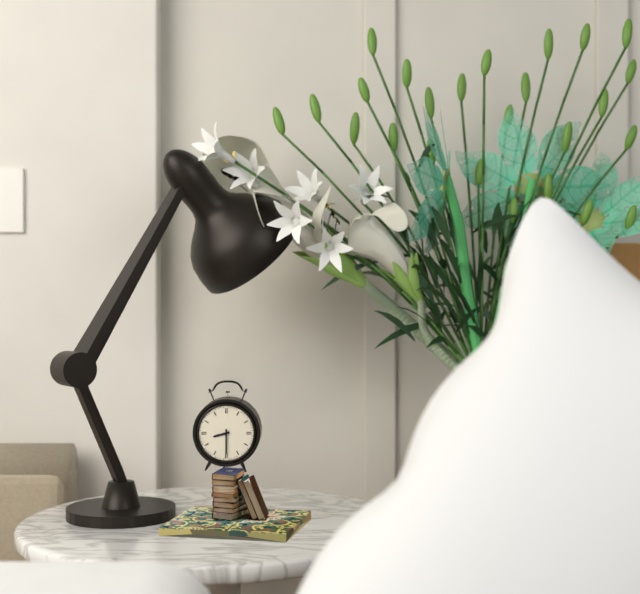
8:30
